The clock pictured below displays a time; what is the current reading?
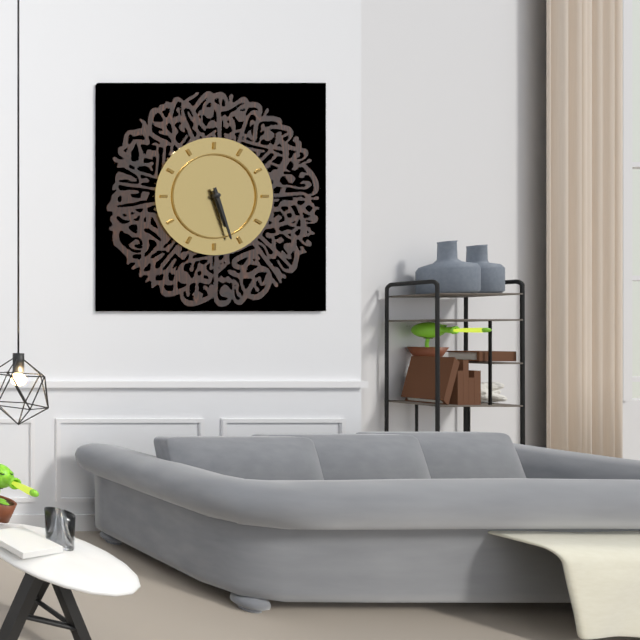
5:27
